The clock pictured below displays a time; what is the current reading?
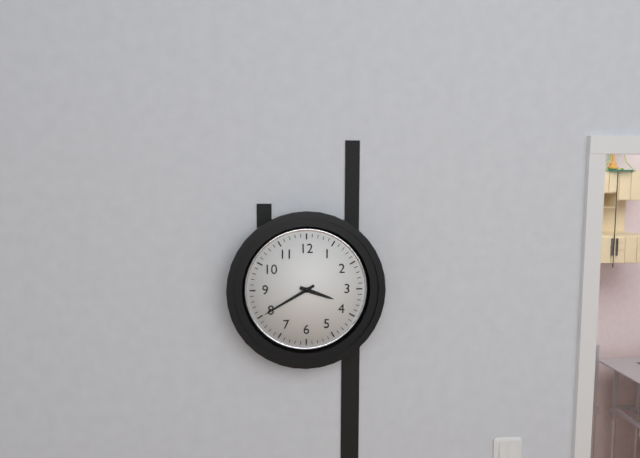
3:40
